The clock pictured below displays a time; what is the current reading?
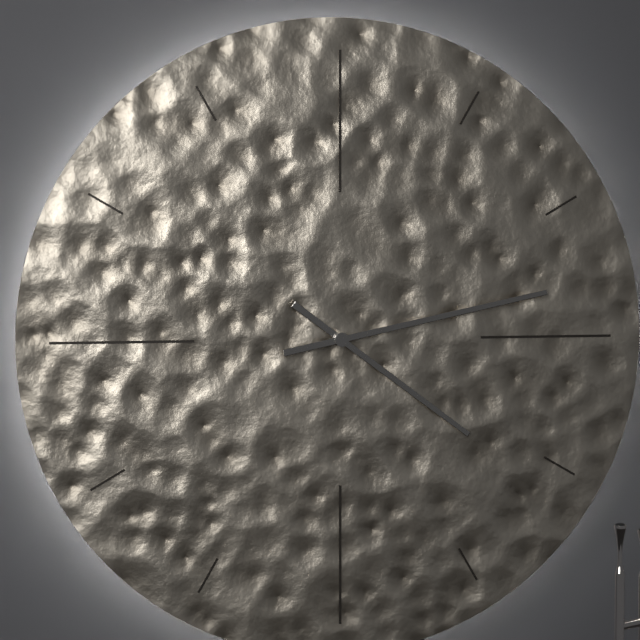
4:13
